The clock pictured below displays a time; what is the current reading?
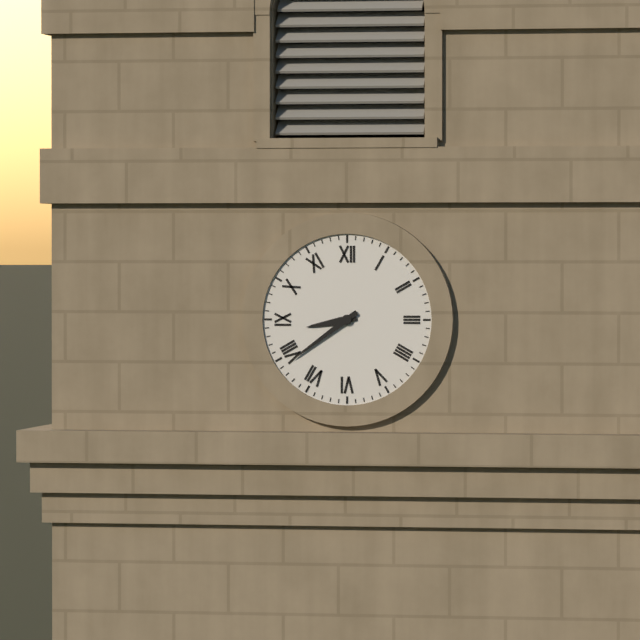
8:39
